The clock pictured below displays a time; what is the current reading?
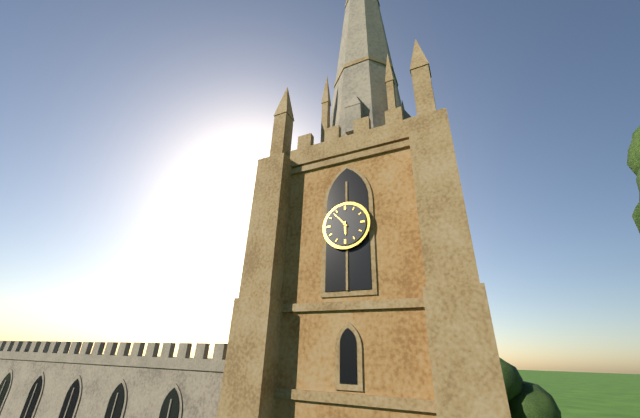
5:53
